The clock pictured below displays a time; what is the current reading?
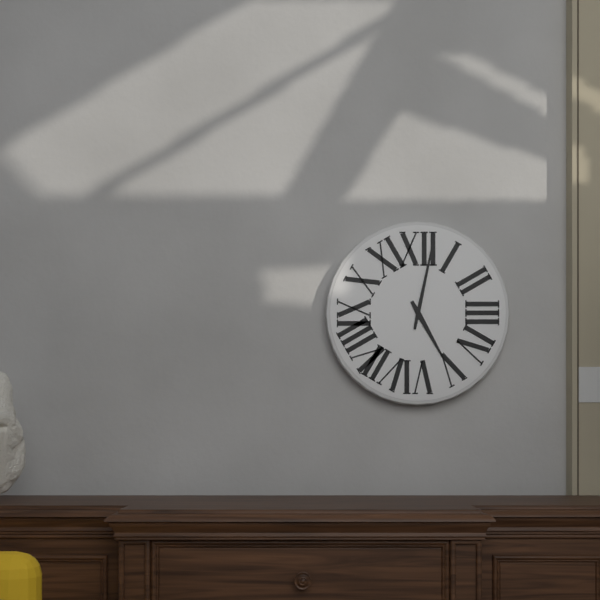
5:02
